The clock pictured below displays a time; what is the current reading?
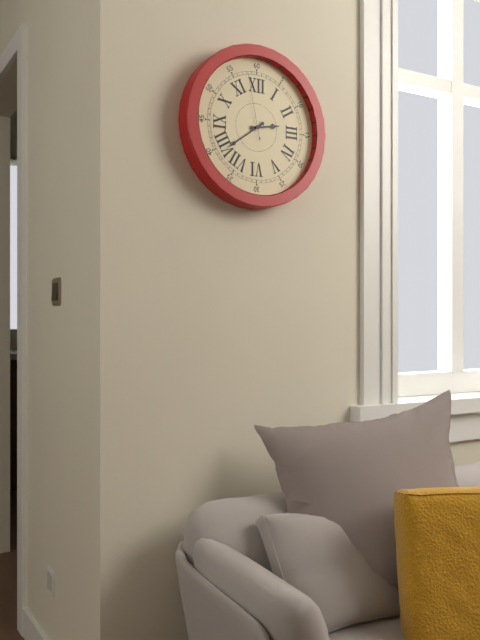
2:39:58
